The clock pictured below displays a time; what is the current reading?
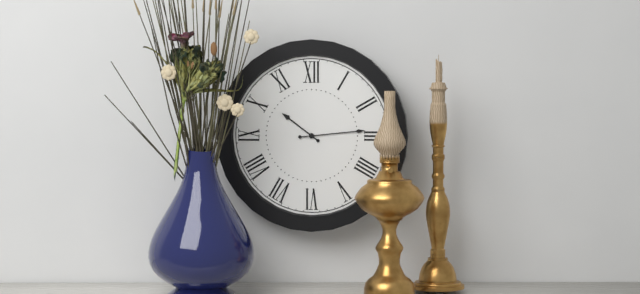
10:14
